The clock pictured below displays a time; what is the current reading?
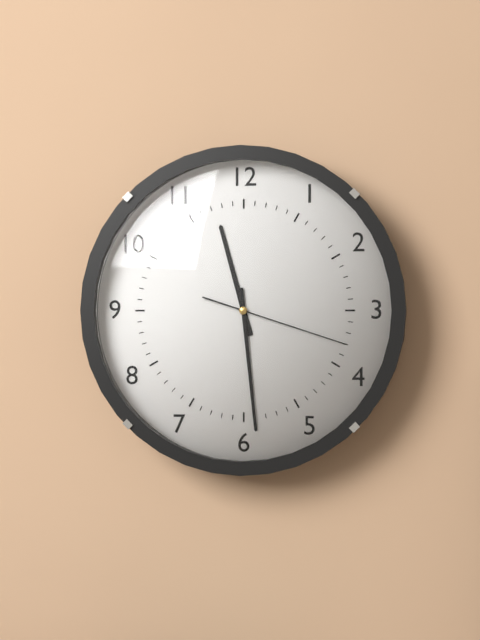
11:29:18
